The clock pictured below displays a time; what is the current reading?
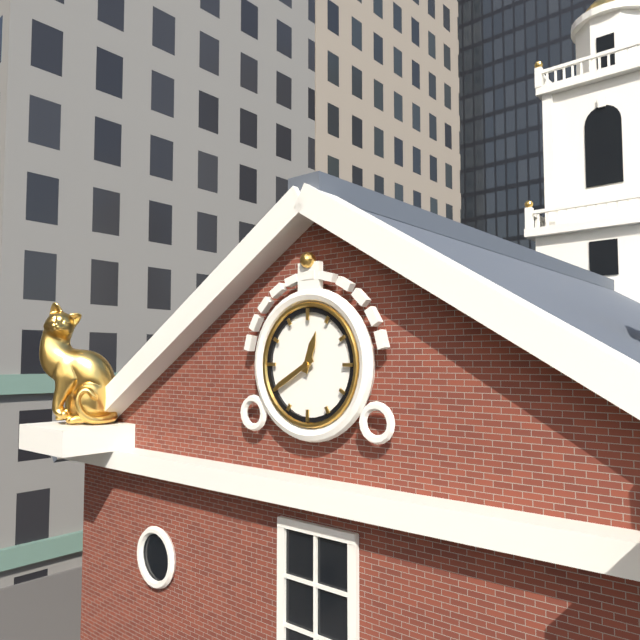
12:40
